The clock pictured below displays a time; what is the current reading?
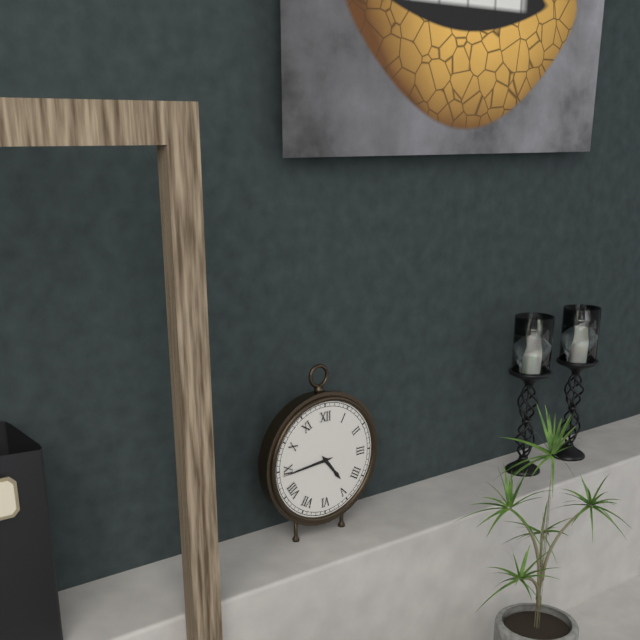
4:44
